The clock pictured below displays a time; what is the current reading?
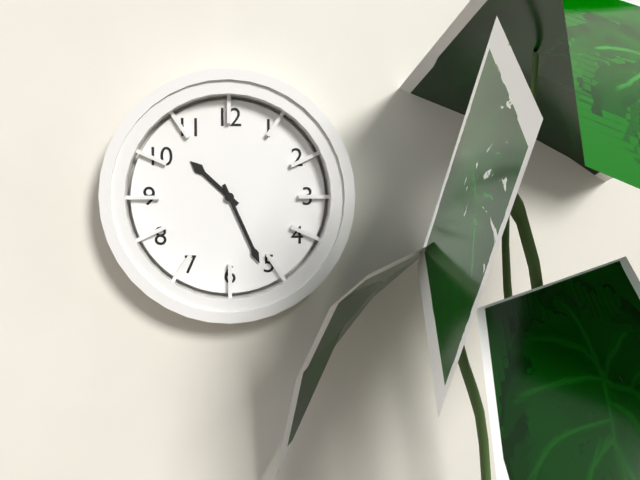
10:26
